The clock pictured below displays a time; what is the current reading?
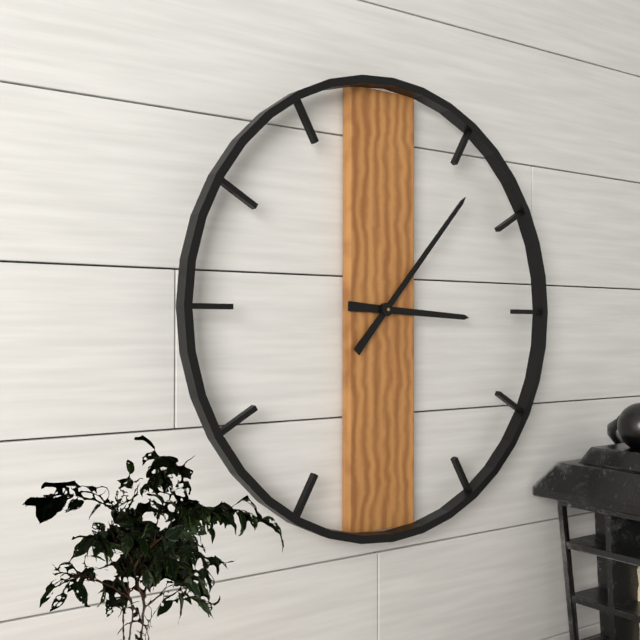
3:07
